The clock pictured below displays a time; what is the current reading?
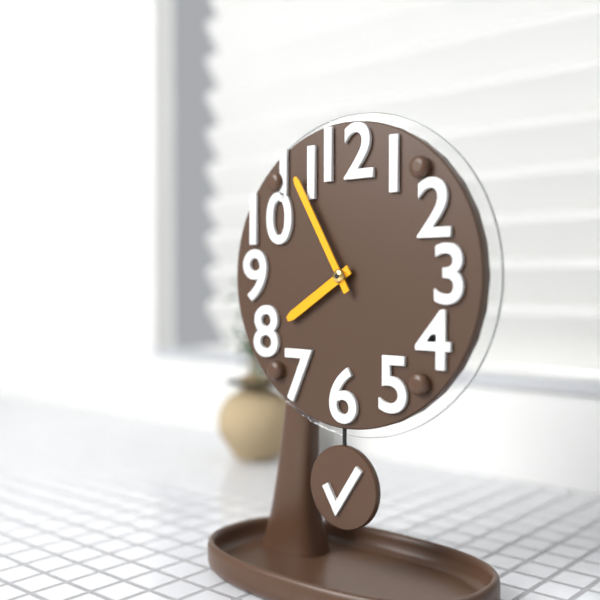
7:55
